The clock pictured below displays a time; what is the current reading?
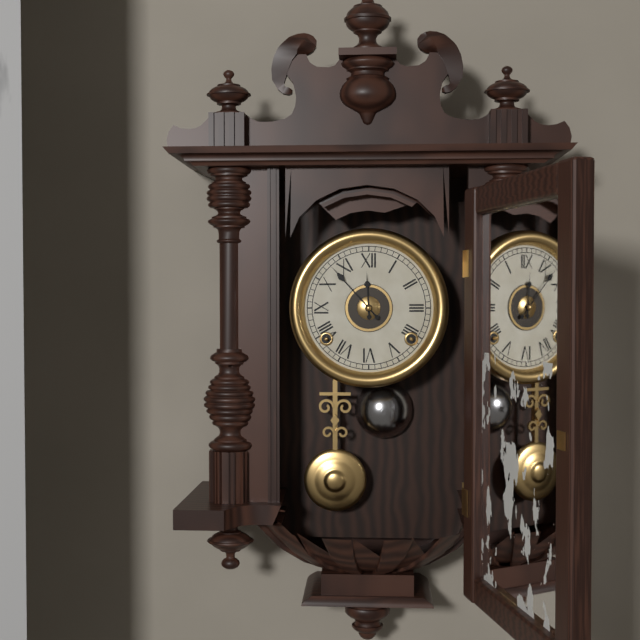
11:53
